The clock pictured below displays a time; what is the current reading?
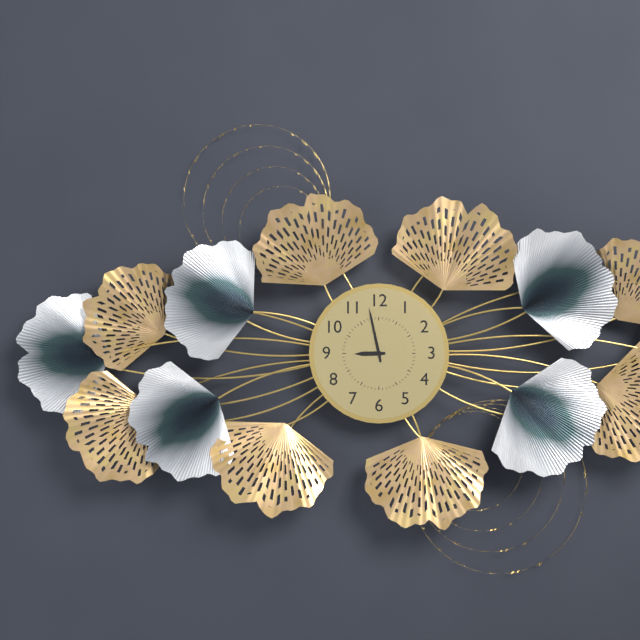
8:58
